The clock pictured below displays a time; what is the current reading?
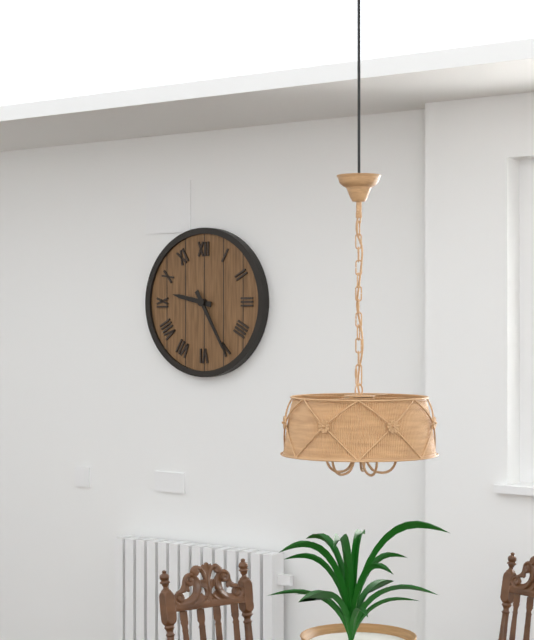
9:25
